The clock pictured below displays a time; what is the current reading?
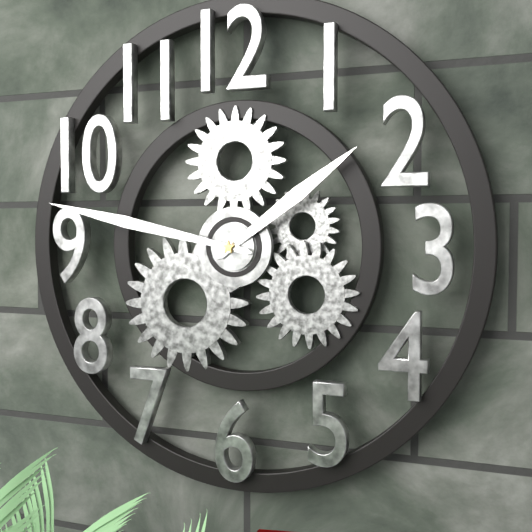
1:47
